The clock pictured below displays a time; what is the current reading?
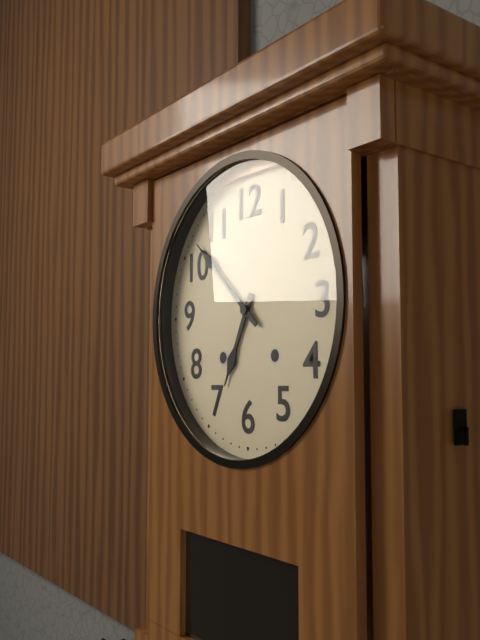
6:52
